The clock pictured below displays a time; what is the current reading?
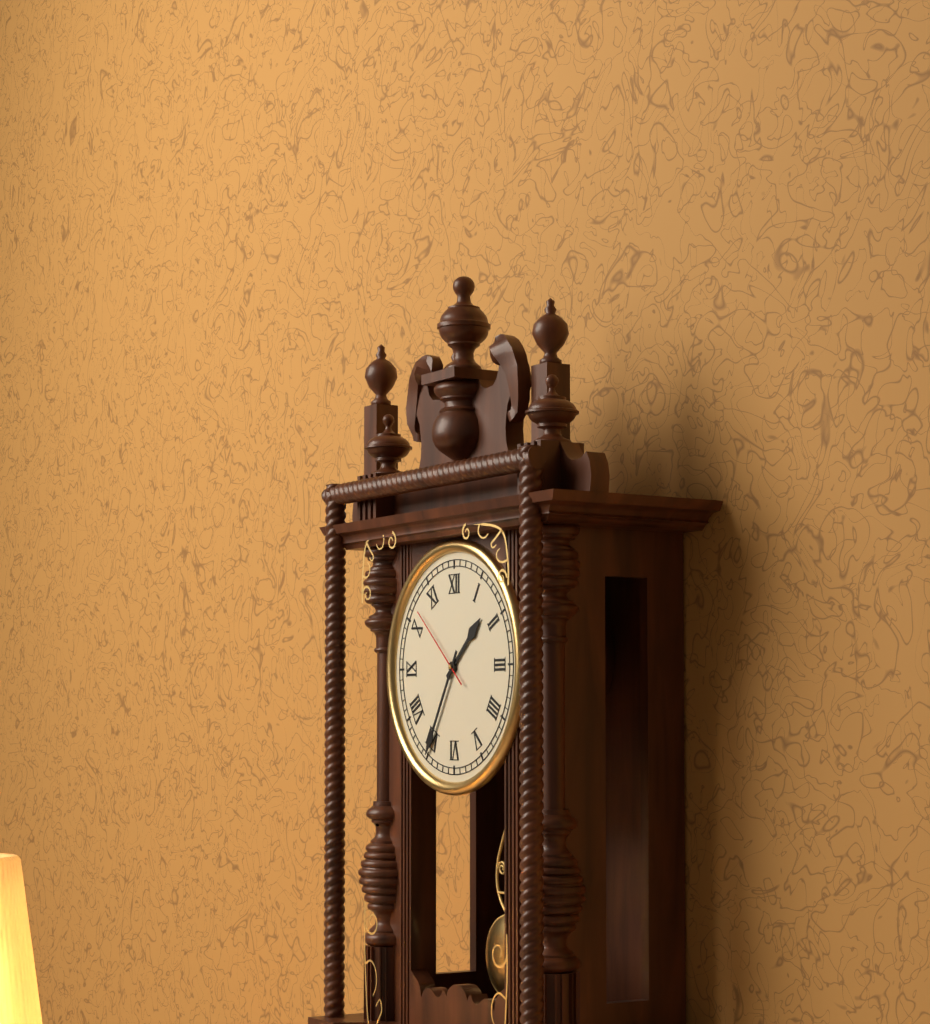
1:35:52
